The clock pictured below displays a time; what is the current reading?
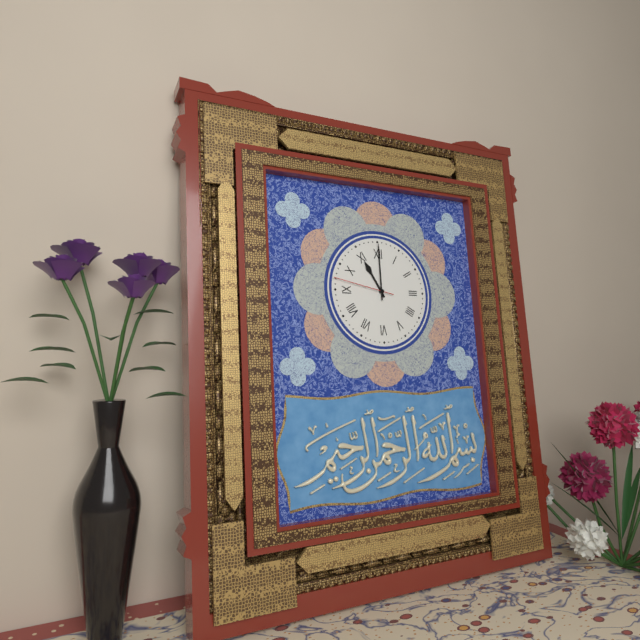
11:00:47
